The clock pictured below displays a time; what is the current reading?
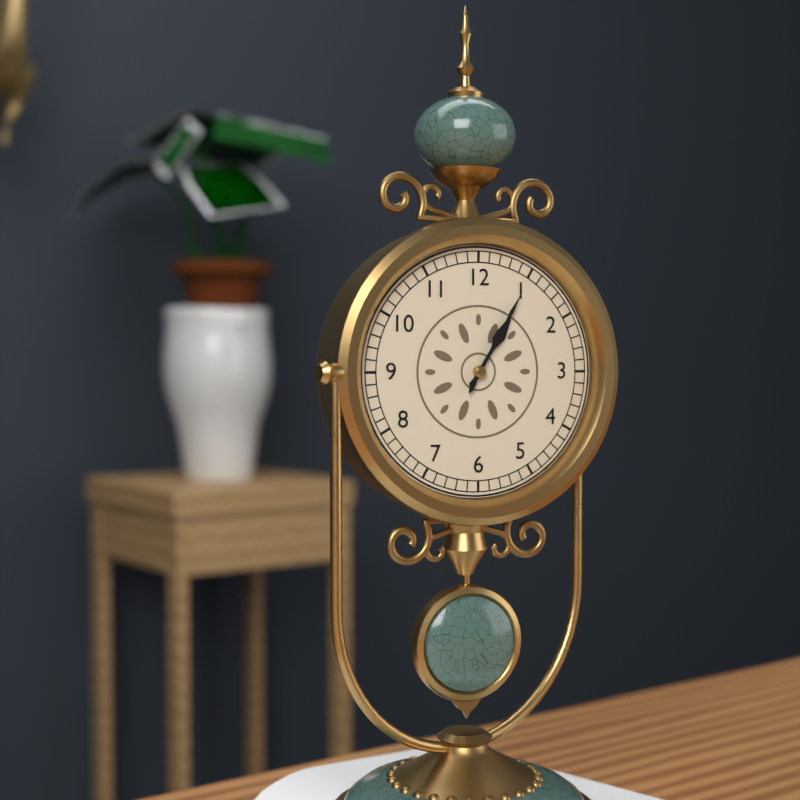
1:05
